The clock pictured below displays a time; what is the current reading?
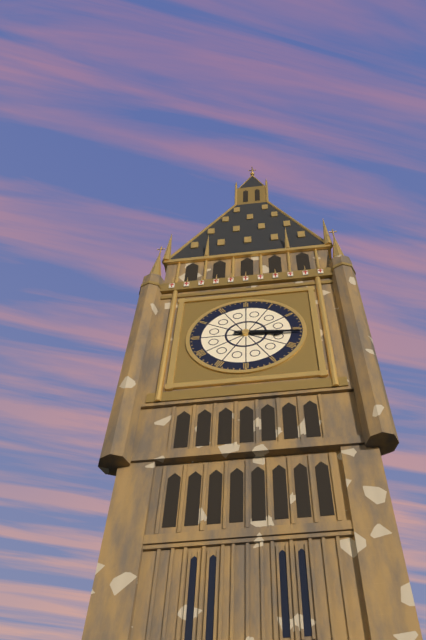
3:16
